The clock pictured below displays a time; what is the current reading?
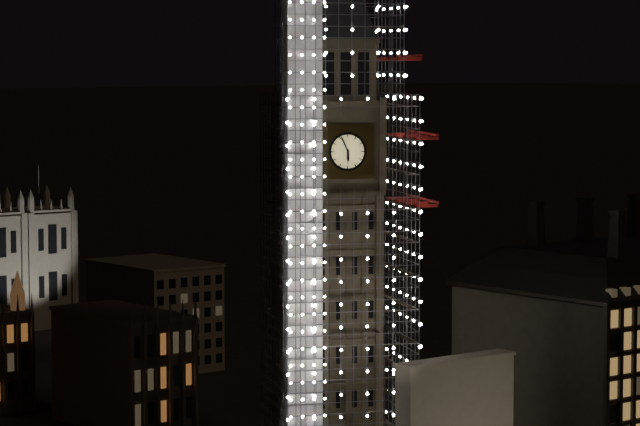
5:56
